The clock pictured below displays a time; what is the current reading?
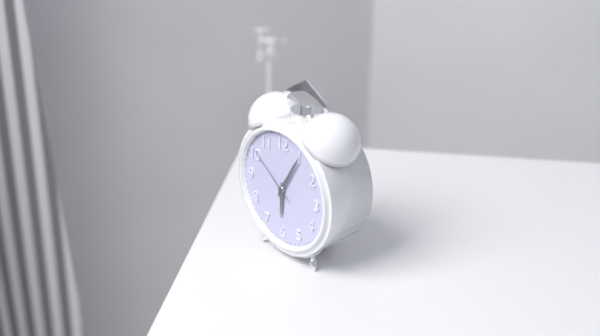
6:05:51
